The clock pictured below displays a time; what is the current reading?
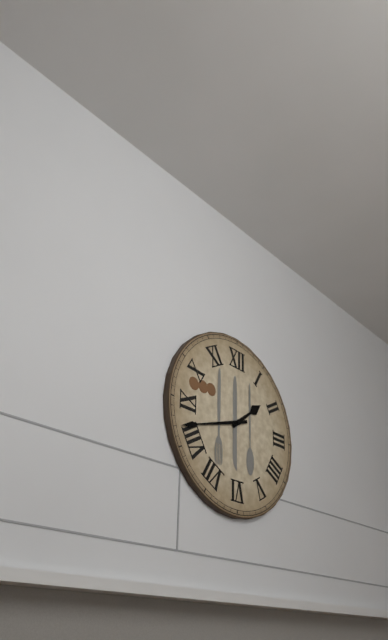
1:42
